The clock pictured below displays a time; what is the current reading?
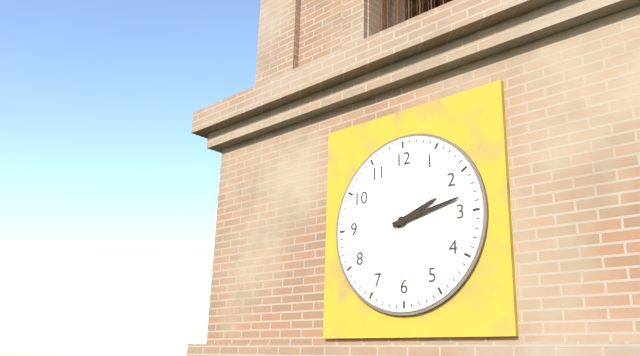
2:13
